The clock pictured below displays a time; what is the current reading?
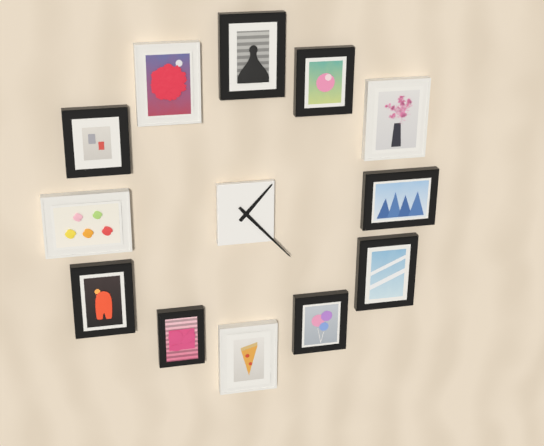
1:23
